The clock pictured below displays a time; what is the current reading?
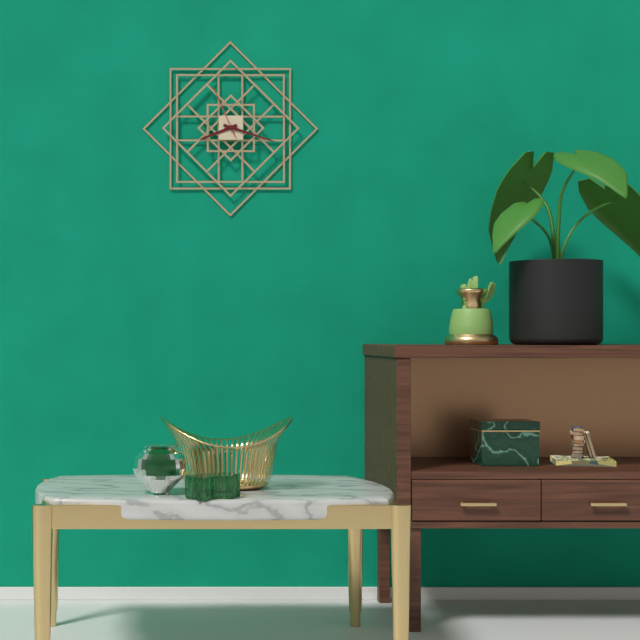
8:18:56
